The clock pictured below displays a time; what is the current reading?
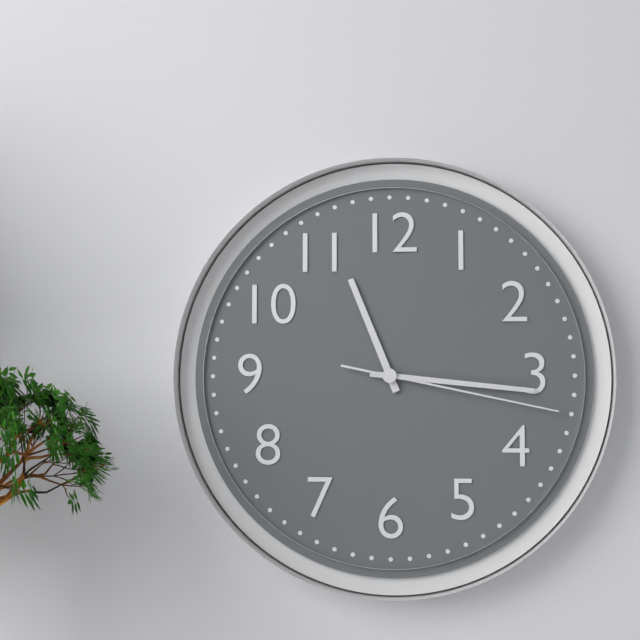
11:16:17
